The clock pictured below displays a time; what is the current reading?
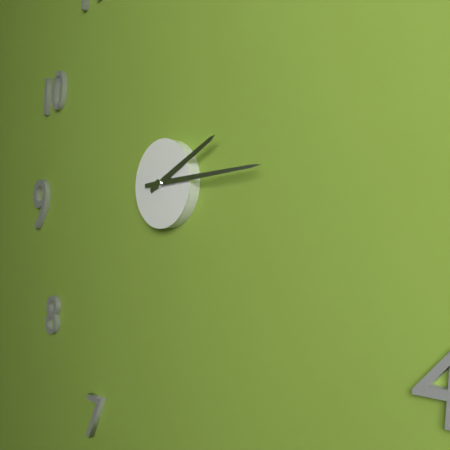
2:15
